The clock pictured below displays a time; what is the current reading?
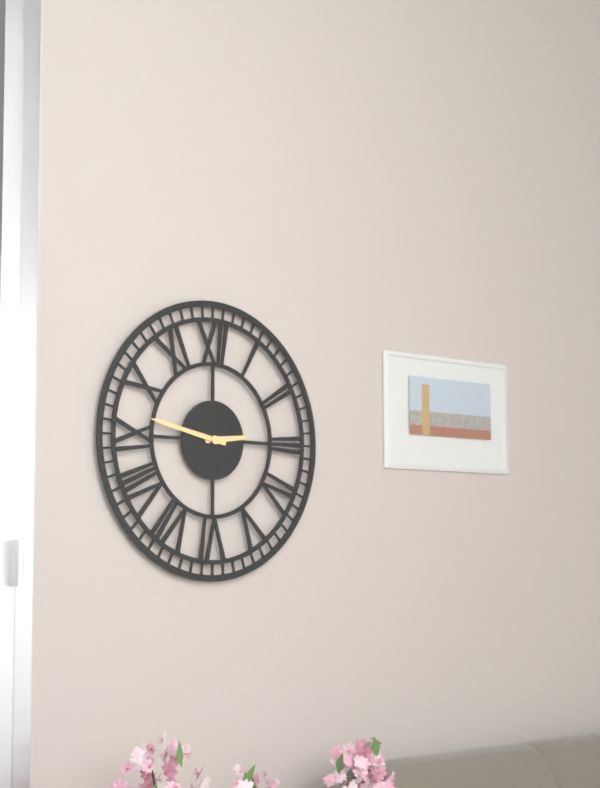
2:47
